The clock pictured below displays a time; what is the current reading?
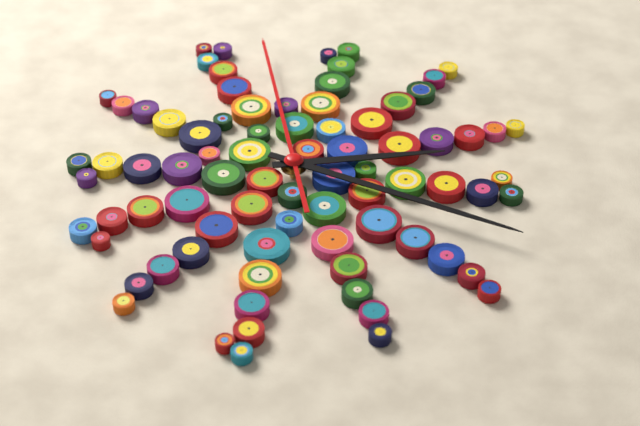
2:17:56
